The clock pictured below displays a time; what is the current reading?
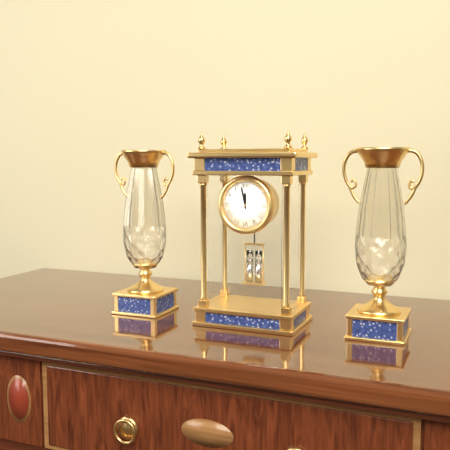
11:58
